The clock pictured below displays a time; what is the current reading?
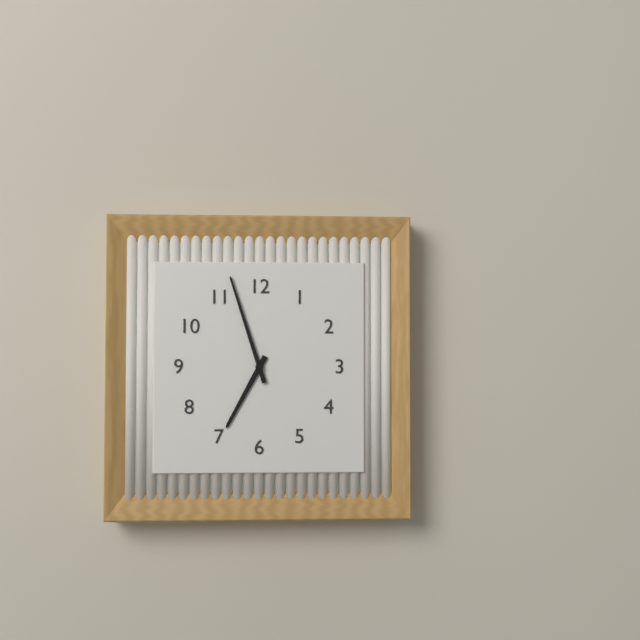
6:57
